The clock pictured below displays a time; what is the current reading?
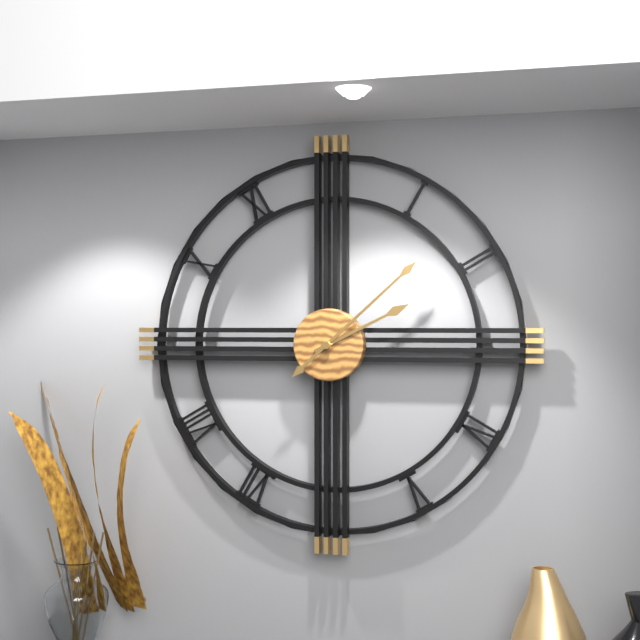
2:08
